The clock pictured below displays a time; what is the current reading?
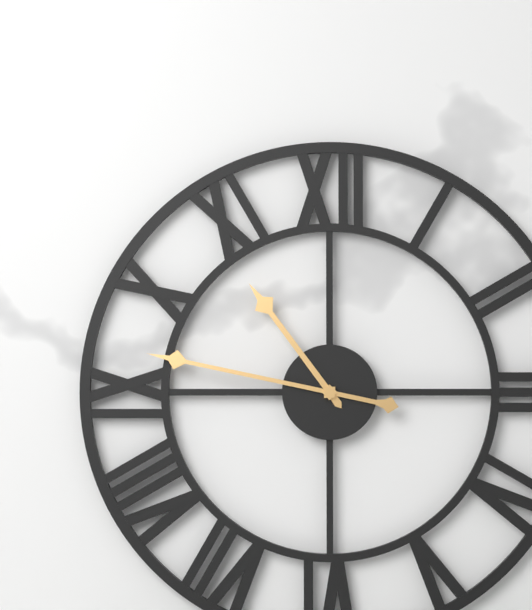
10:47
